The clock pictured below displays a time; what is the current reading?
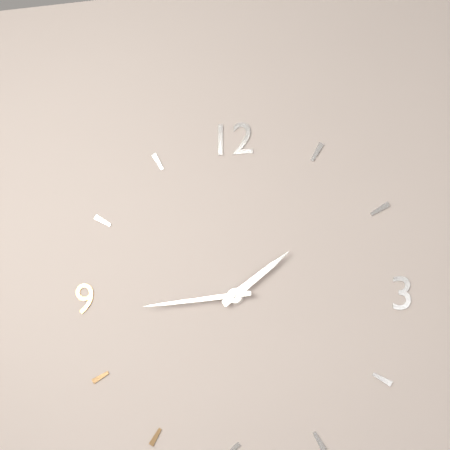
1:44
